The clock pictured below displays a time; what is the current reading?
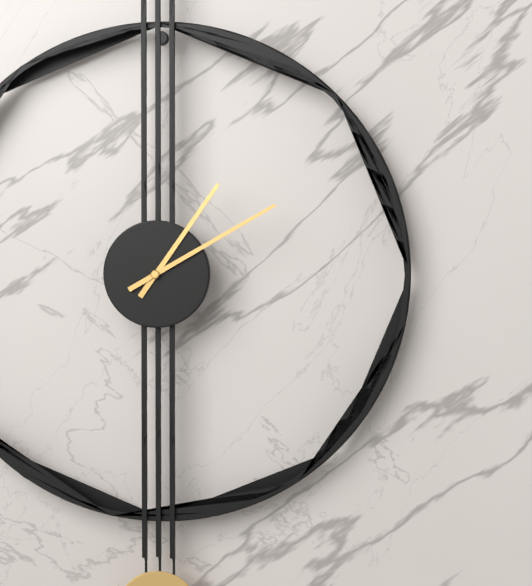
1:10
